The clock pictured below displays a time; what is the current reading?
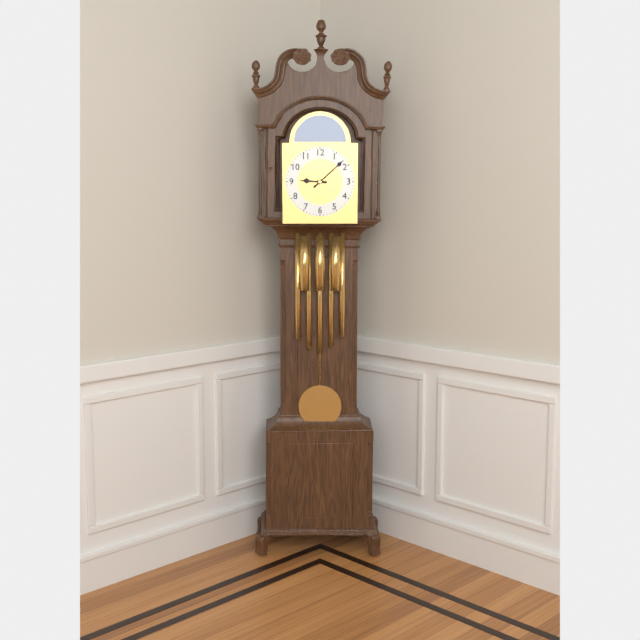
9:08
